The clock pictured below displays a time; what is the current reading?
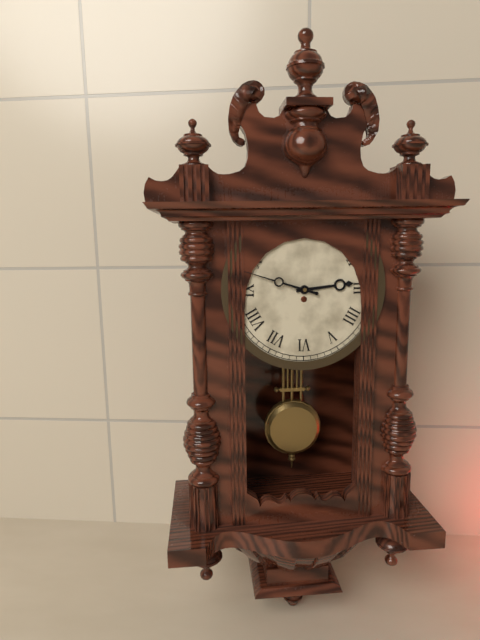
2:48
